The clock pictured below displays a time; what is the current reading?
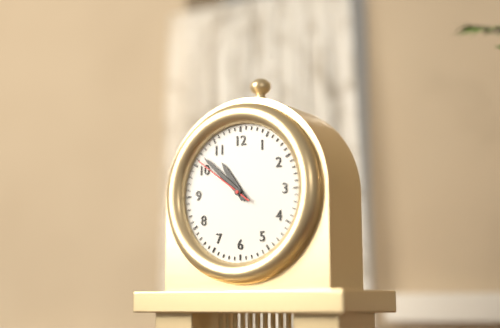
10:52:51
